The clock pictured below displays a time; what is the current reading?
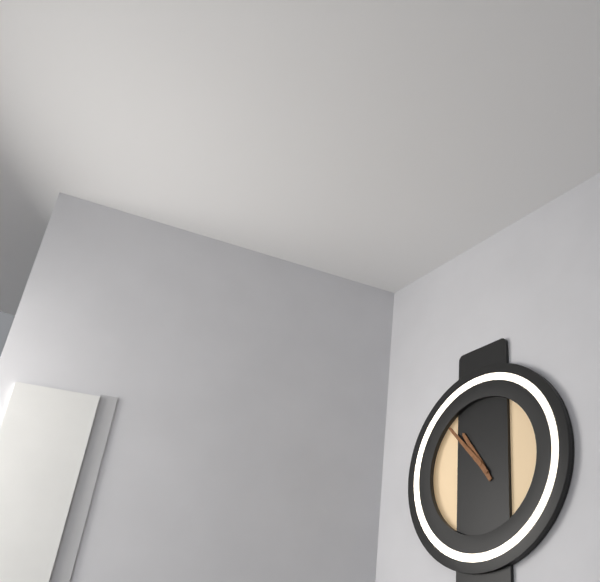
10:53
